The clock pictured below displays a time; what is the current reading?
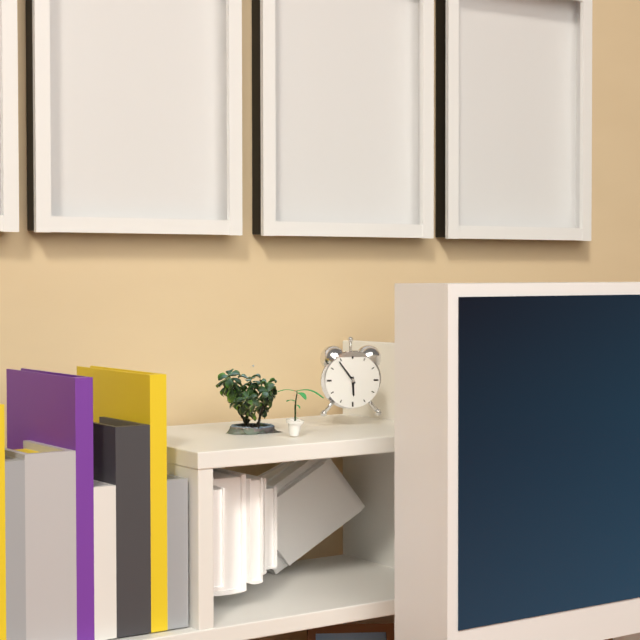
5:54
